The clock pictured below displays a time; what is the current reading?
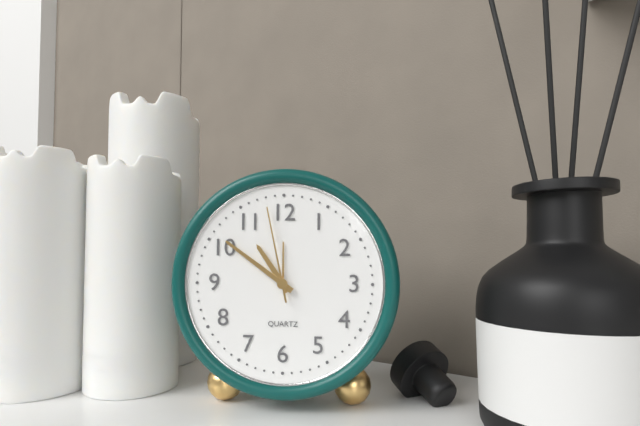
10:51:58
